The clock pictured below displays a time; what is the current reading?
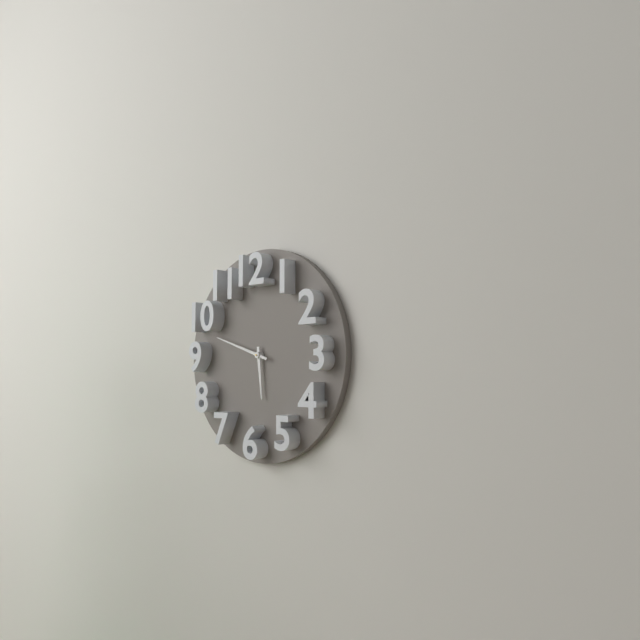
5:48
